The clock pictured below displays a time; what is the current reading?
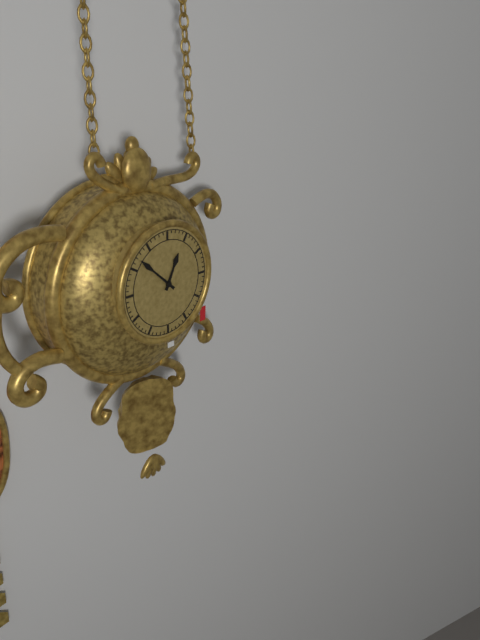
12:52
